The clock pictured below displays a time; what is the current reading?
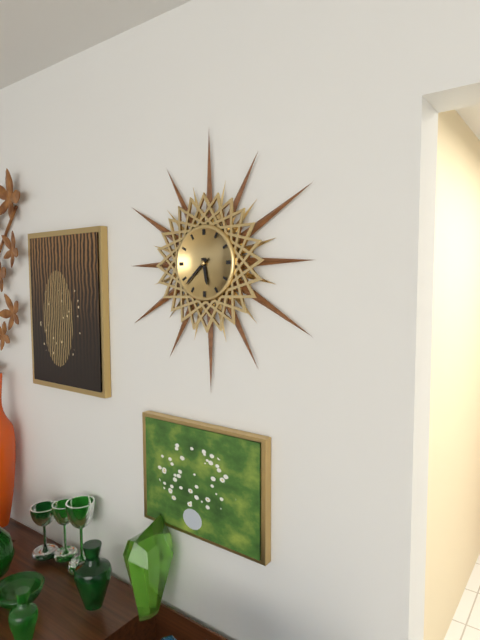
5:38
